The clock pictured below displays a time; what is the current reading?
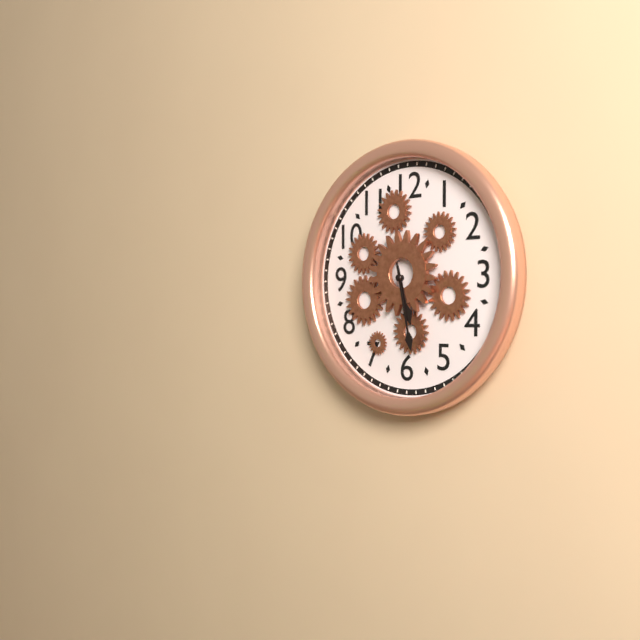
5:28
